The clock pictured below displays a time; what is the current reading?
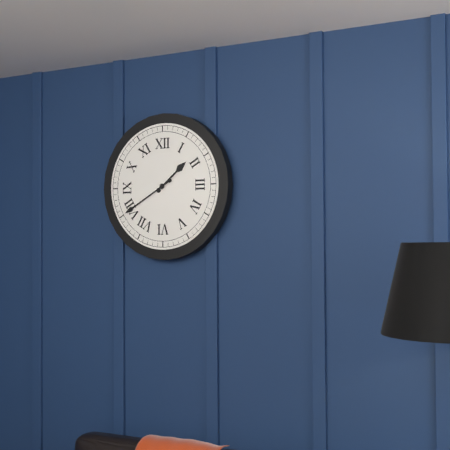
1:40
